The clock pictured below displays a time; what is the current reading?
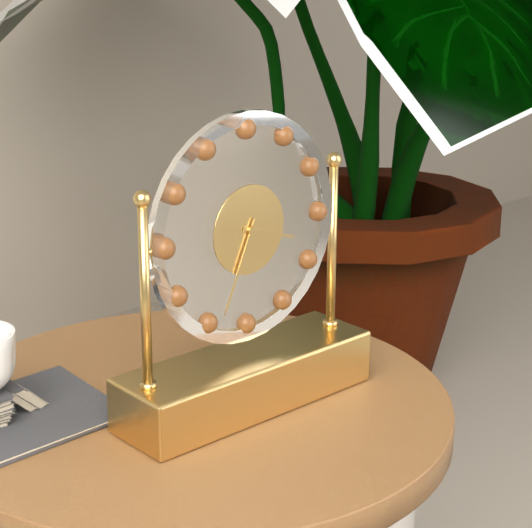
3:34
